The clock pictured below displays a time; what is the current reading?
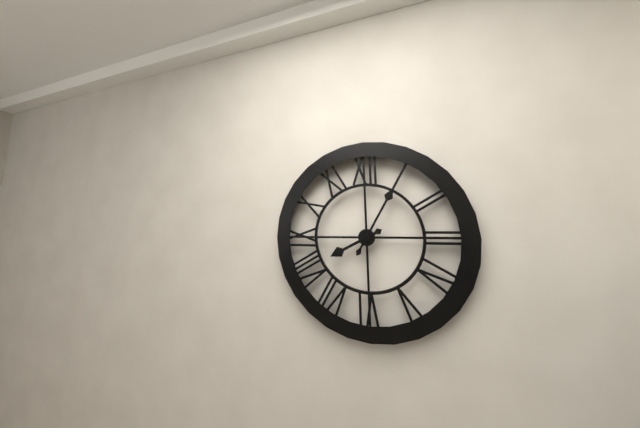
8:05
